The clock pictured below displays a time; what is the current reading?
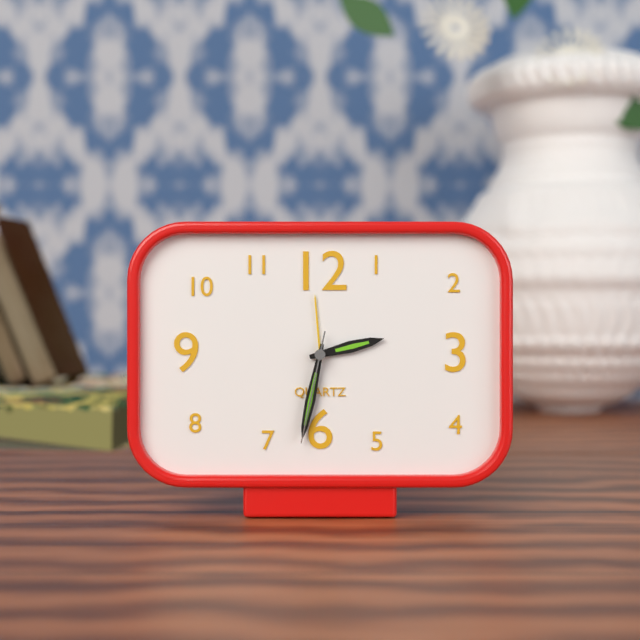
2:32:32
